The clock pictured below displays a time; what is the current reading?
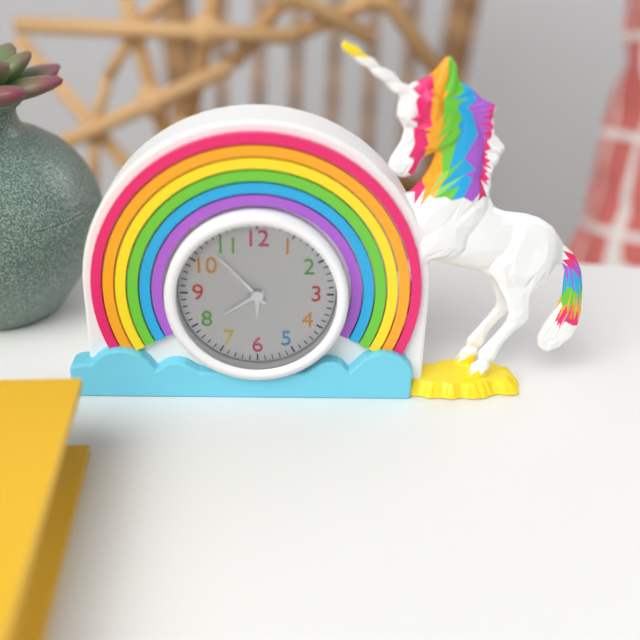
7:53
